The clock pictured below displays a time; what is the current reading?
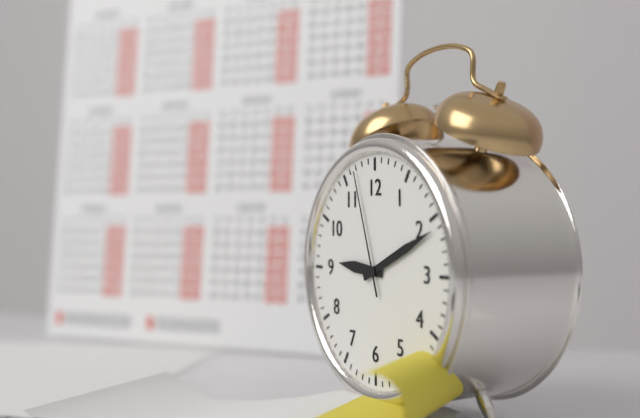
9:11:57
